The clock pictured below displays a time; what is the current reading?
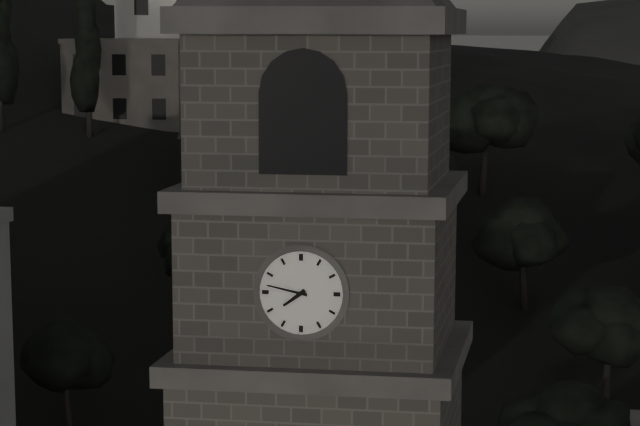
7:47
